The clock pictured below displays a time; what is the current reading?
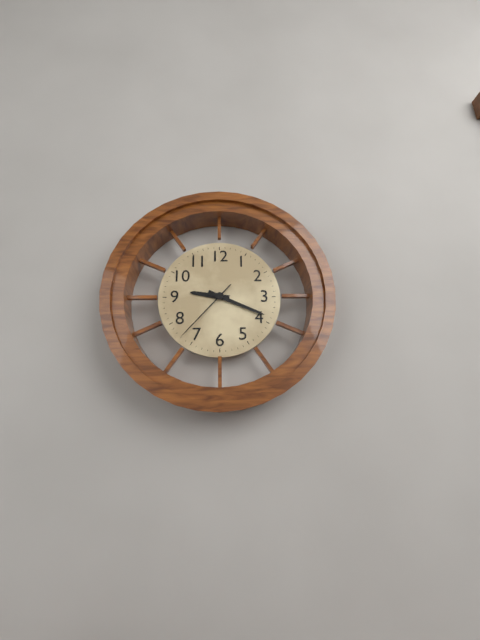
9:19:37
